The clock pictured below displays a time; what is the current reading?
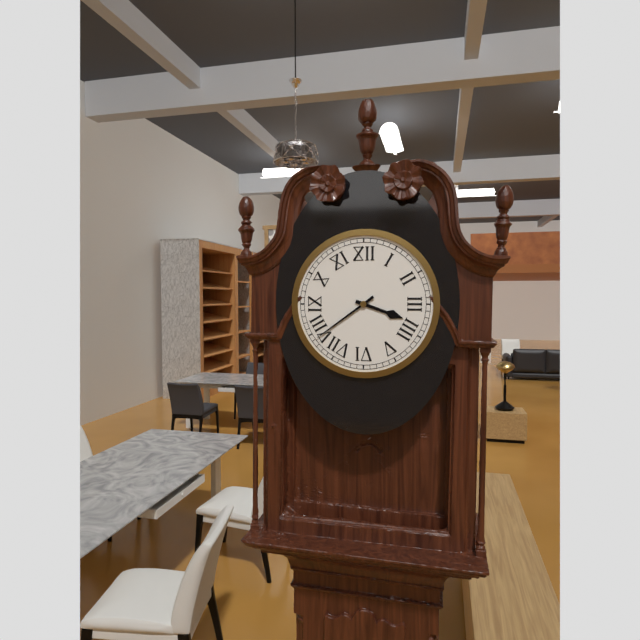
3:39
